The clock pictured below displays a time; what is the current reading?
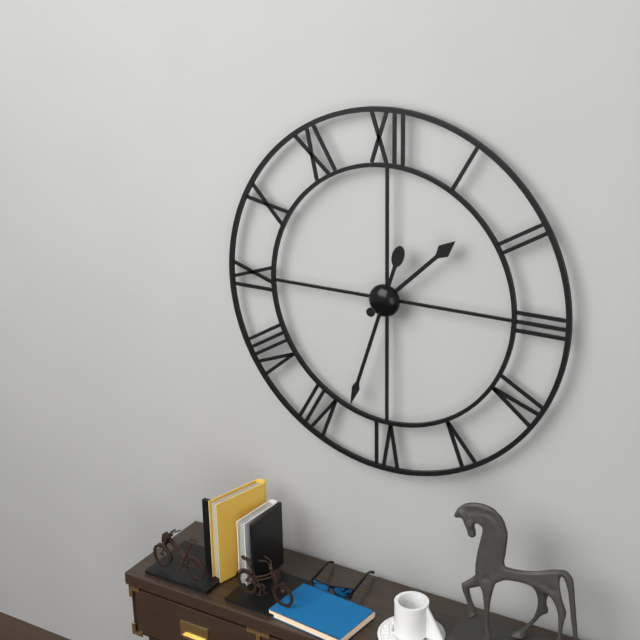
1:33
